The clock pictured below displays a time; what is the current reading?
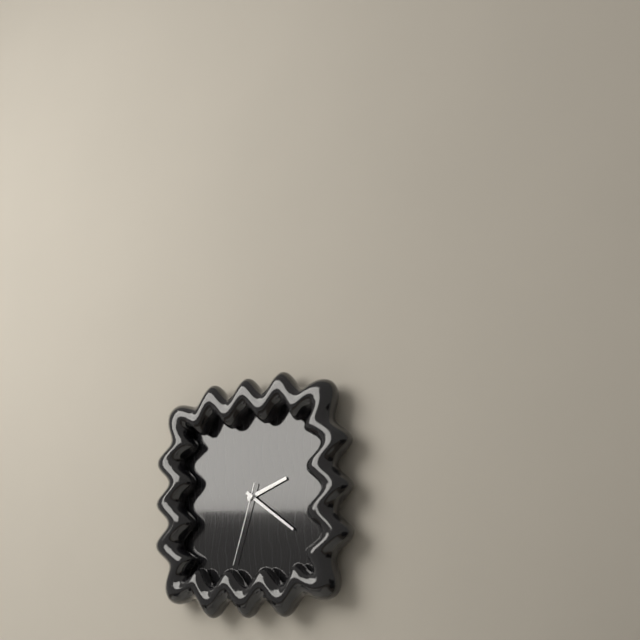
2:21:33
